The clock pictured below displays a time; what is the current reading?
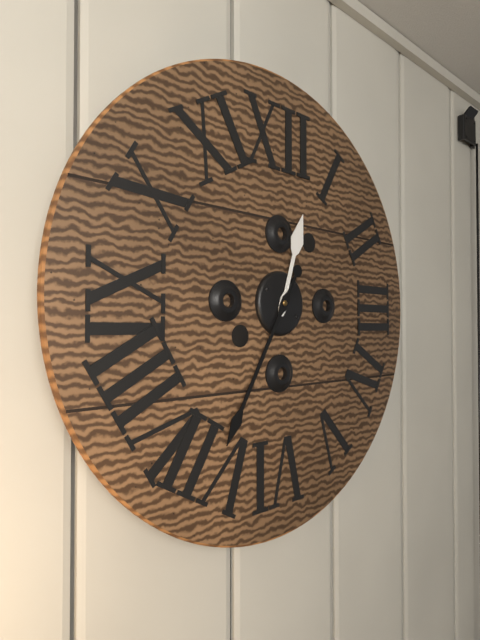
12:35
